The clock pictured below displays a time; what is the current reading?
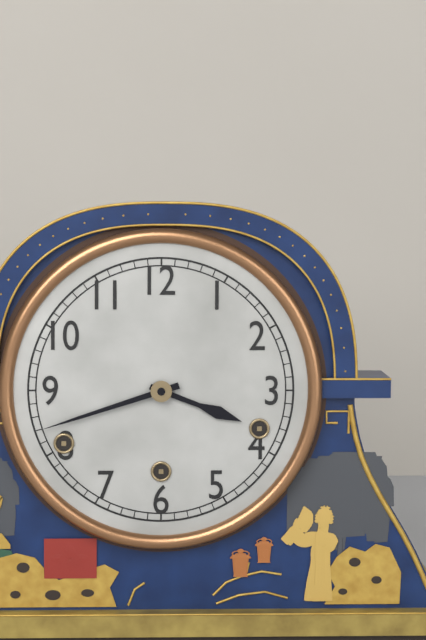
3:42
